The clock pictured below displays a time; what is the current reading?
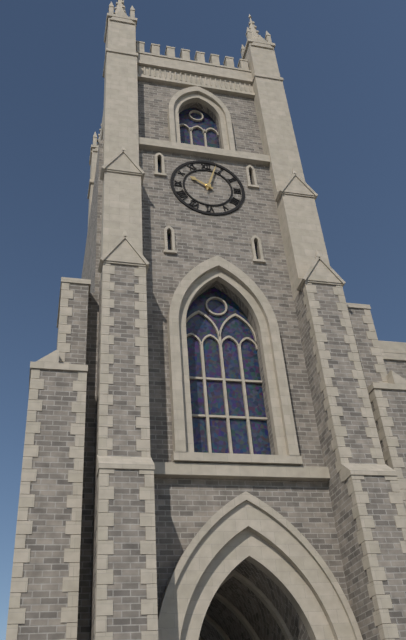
10:03
